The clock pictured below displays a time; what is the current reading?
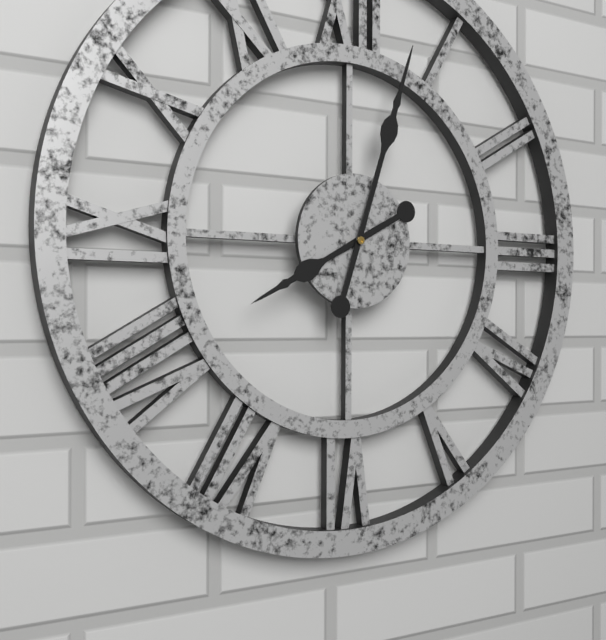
8:03
